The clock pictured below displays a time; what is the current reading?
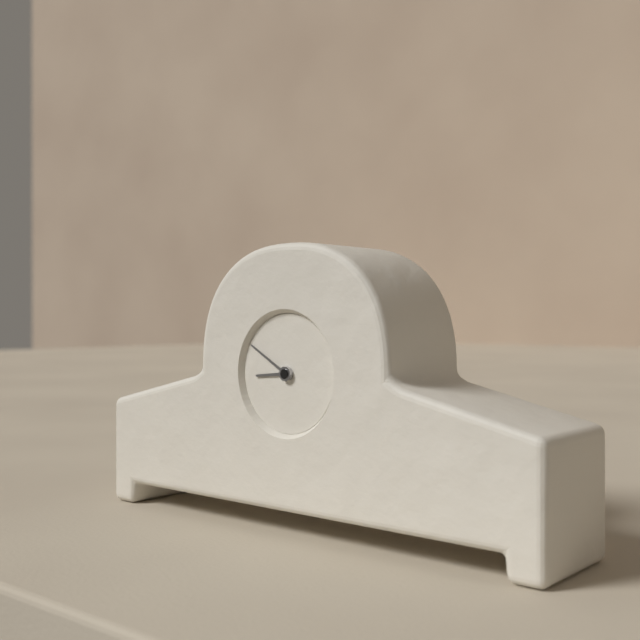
8:50
